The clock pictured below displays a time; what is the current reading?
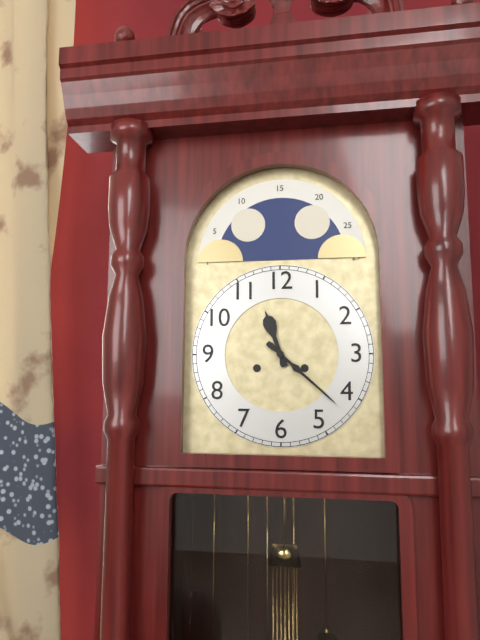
11:22
